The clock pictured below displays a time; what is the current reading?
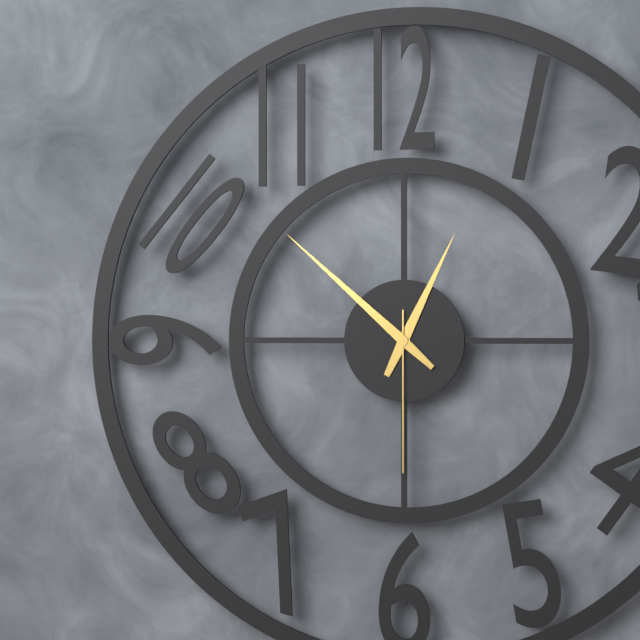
12:52:30
